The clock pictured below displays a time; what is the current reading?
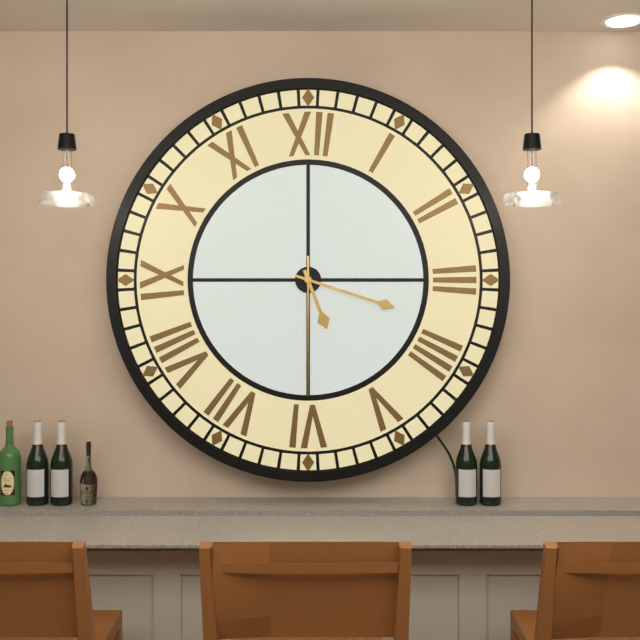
5:18:30
